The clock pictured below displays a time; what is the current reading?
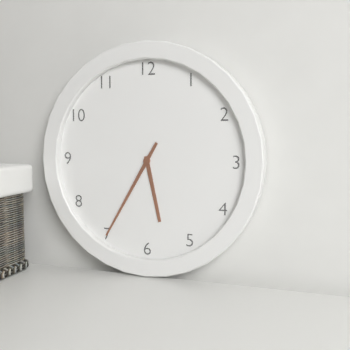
5:35
